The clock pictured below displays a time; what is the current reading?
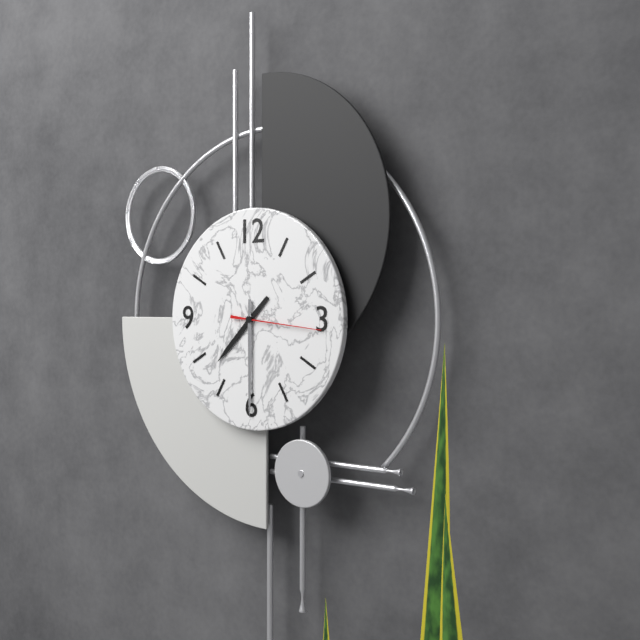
7:30:16
